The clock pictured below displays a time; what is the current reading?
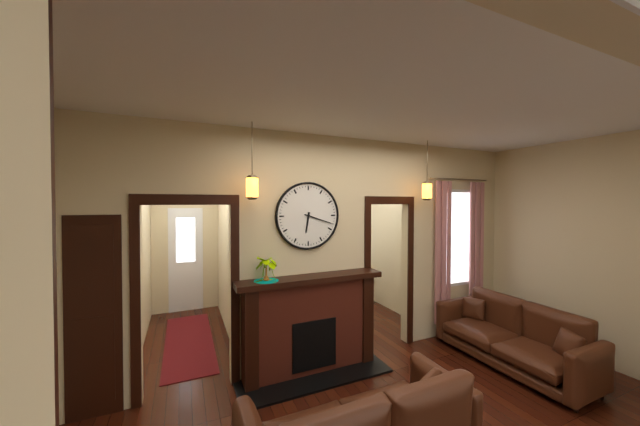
6:18
